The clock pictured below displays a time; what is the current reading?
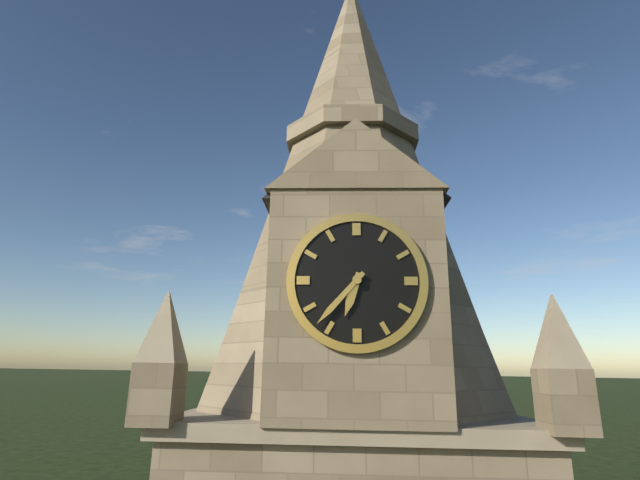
6:37
